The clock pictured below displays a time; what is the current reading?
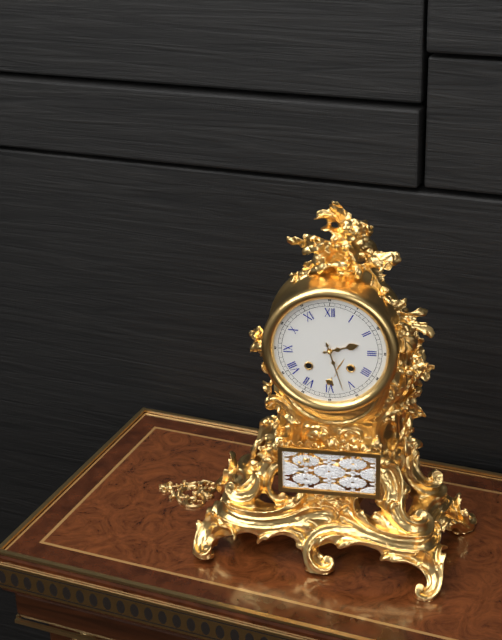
2:27
